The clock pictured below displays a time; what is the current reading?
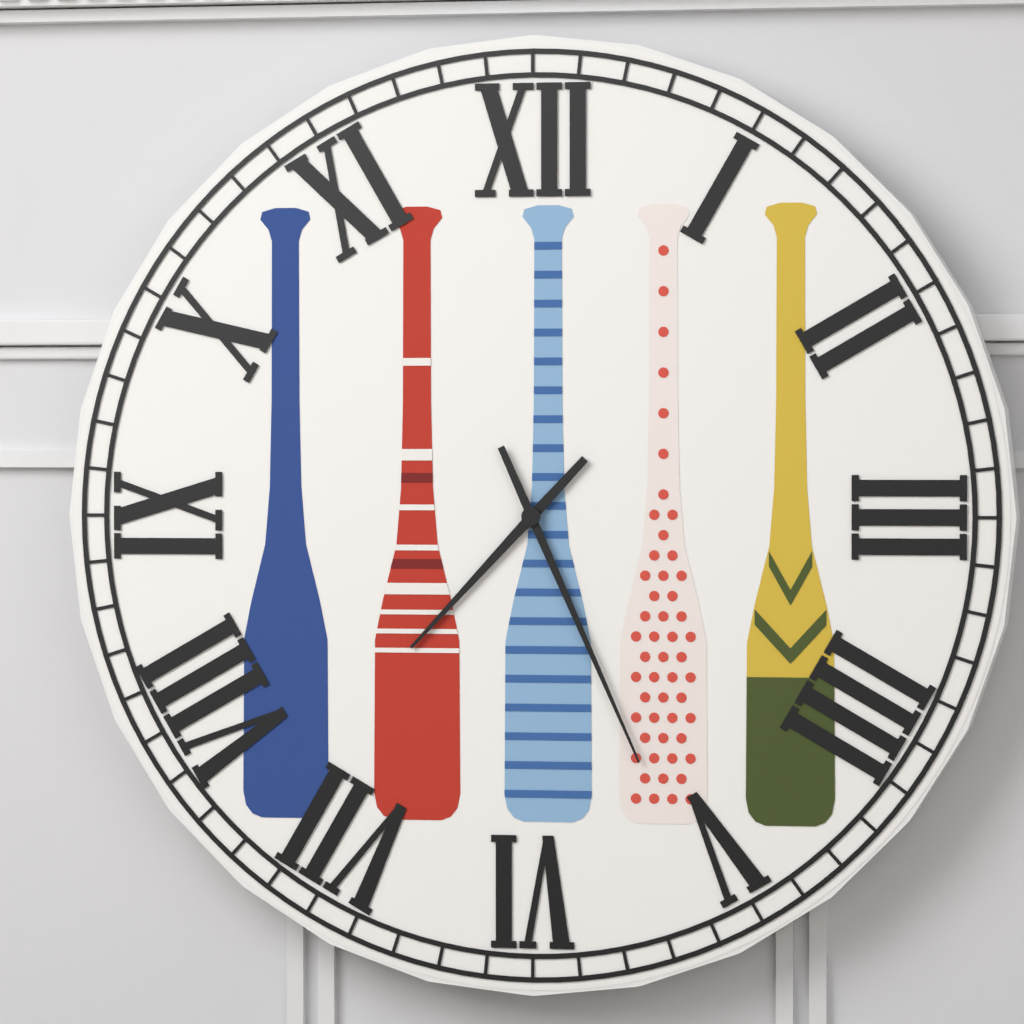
7:26
